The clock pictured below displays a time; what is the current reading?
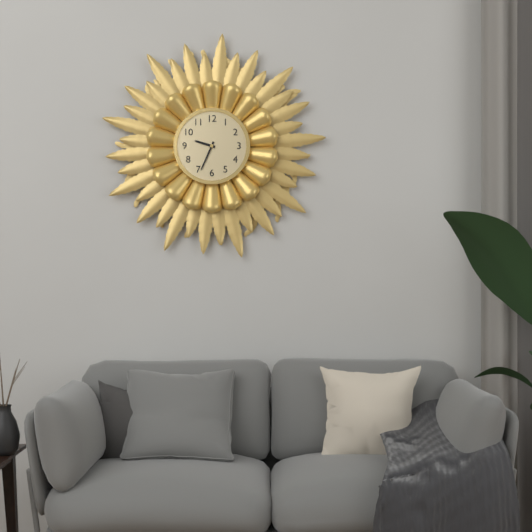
9:34
